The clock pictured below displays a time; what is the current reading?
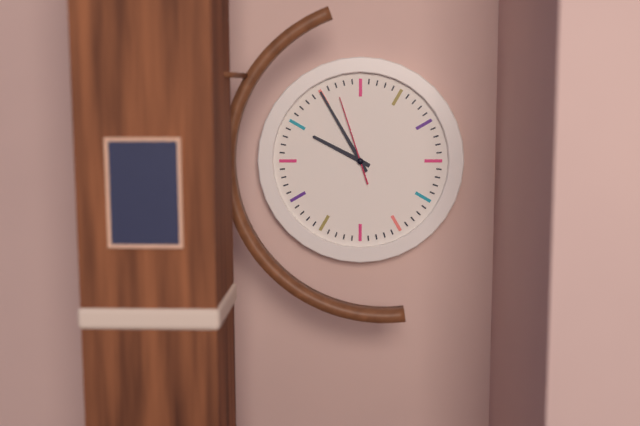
9:55:57
